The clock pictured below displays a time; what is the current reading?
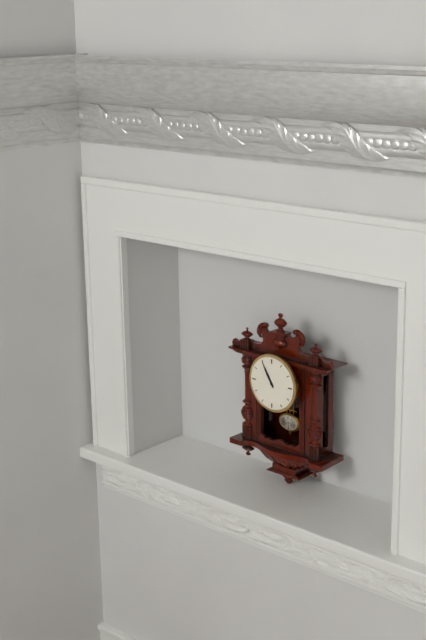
10:55
